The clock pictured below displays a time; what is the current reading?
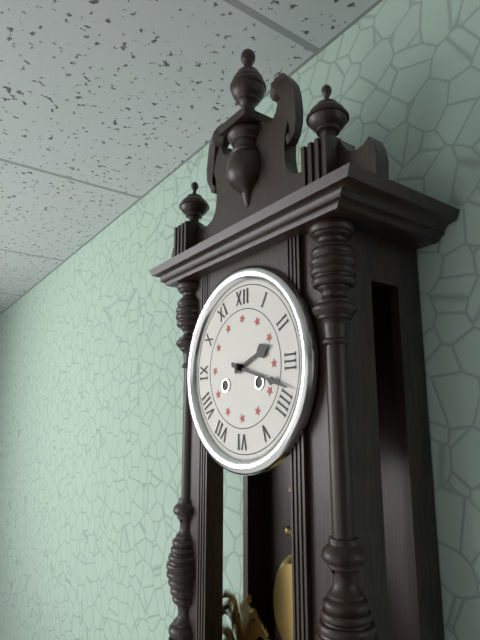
2:18
